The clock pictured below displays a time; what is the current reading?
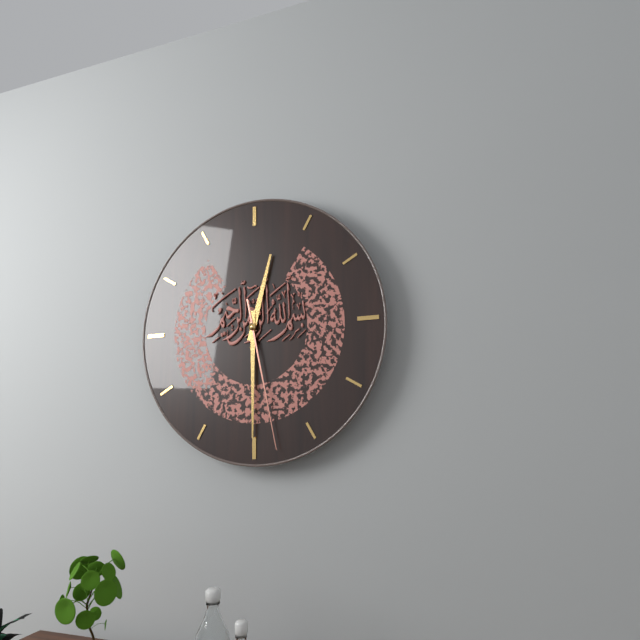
12:30:28
